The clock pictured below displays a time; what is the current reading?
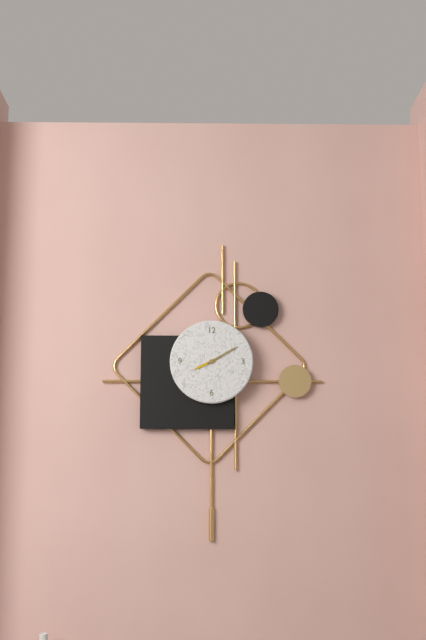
8:10
